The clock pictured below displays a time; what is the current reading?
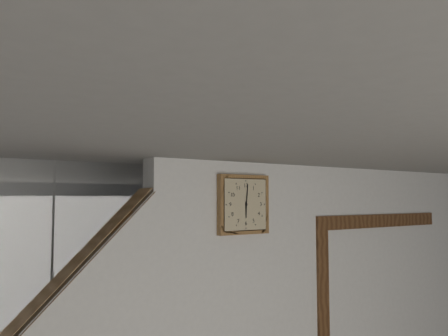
6:01
